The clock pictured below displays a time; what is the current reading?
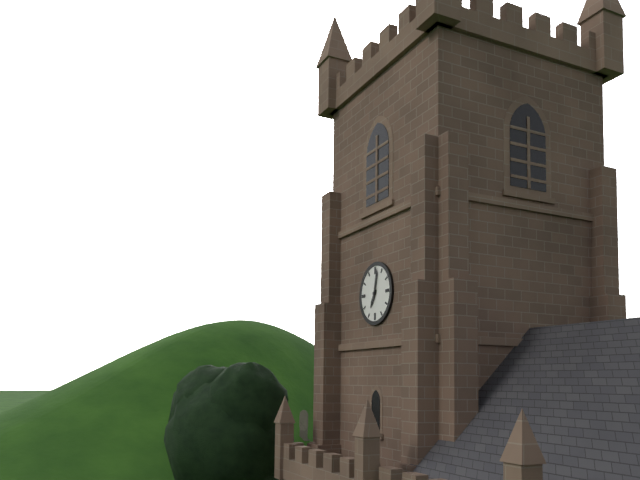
7:02
